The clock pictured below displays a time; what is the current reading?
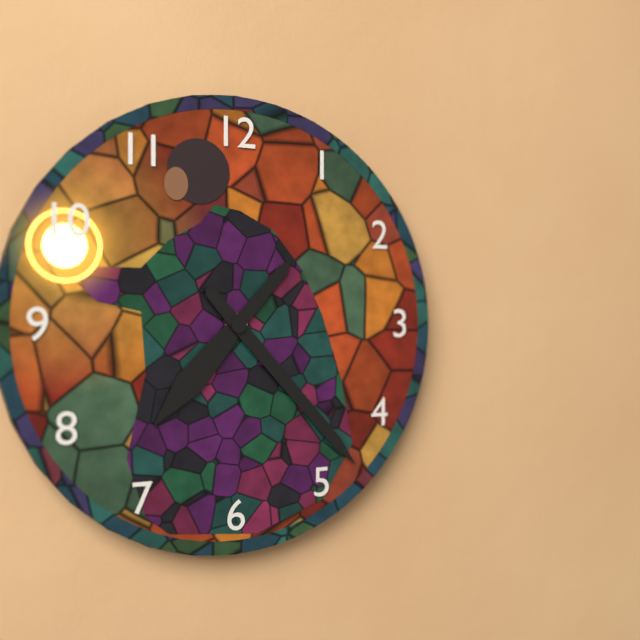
7:23
